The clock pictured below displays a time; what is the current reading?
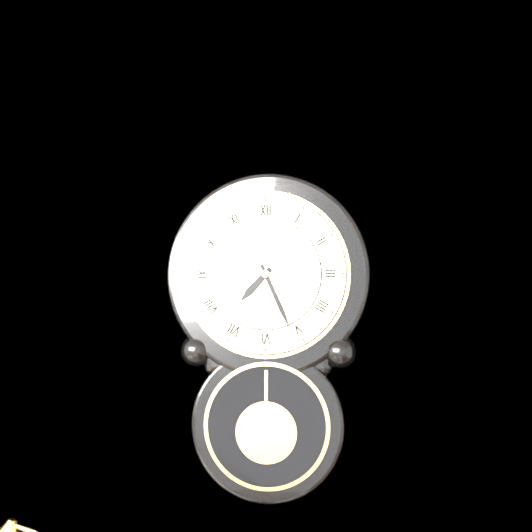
7:26
